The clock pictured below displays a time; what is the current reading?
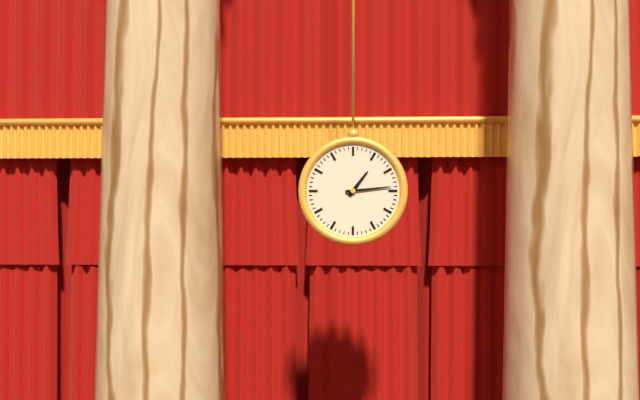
1:14
